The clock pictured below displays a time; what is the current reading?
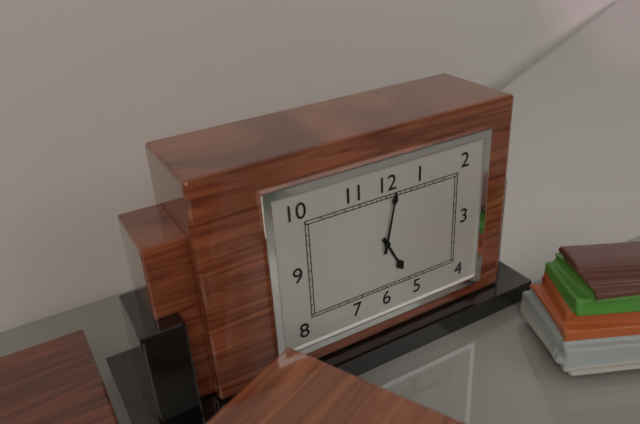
5:02
